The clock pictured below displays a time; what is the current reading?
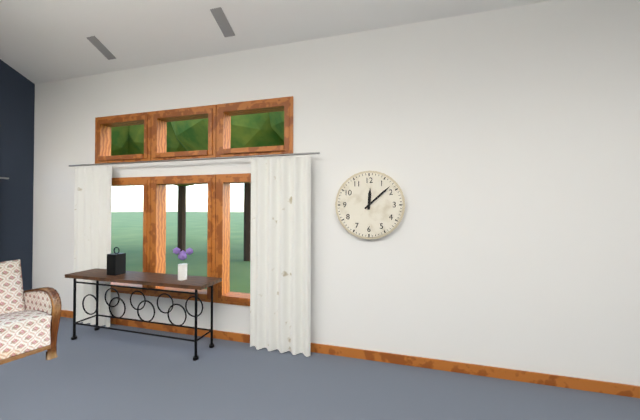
12:08
